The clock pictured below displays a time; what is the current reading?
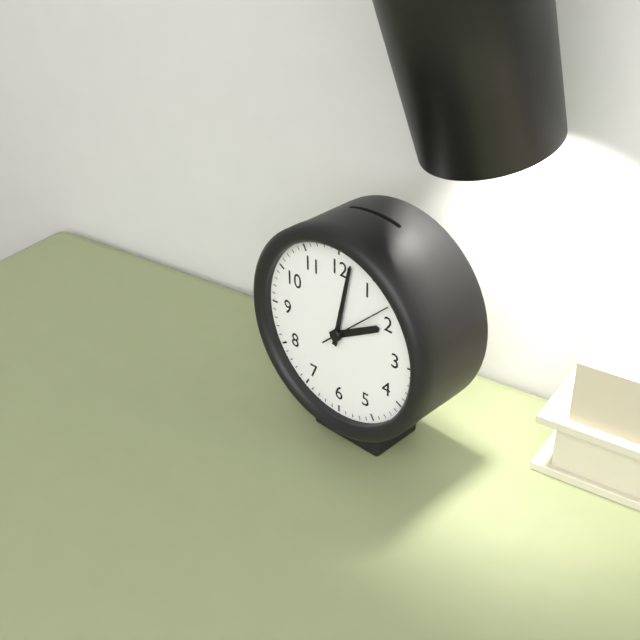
2:02:08
